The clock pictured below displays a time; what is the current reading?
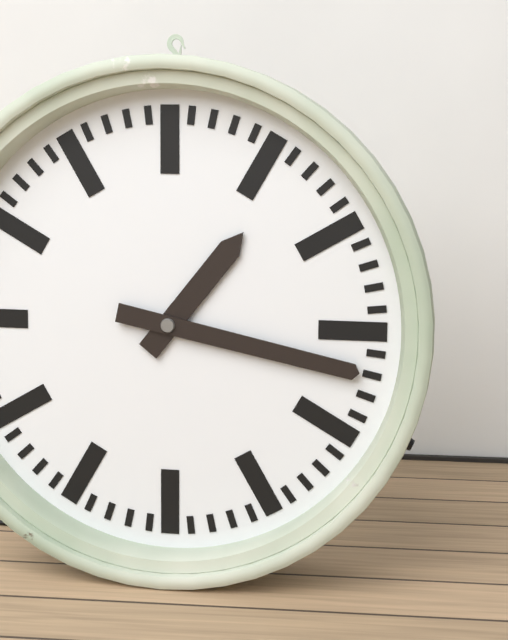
1:17
